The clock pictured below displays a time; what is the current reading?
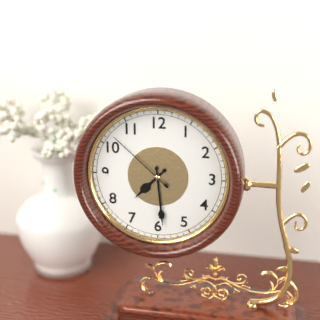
7:29:52
